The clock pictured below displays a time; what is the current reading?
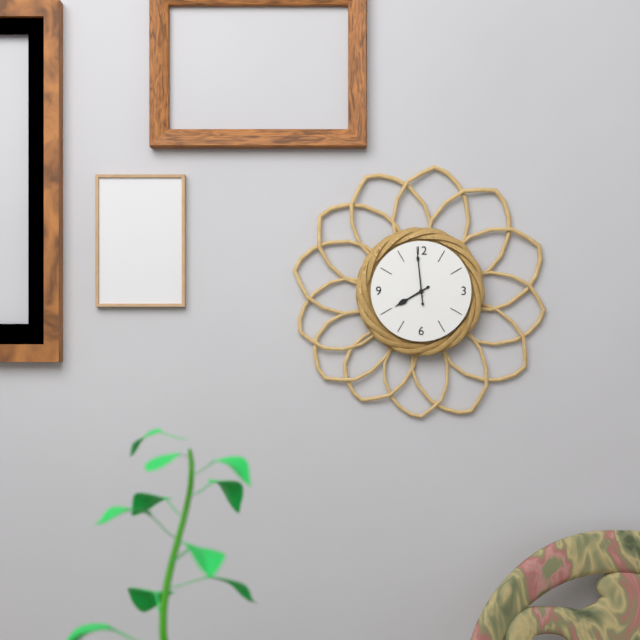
7:59
